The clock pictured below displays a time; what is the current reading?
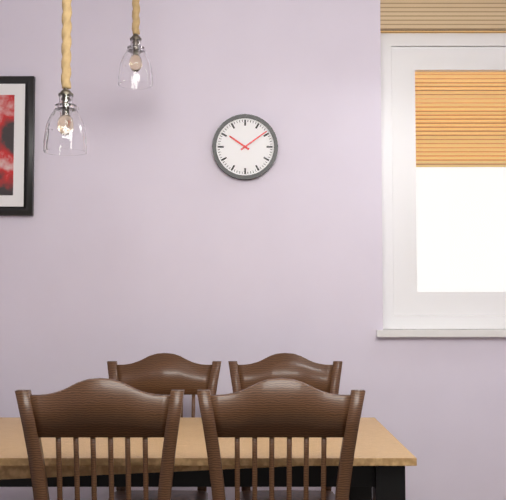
10:09
